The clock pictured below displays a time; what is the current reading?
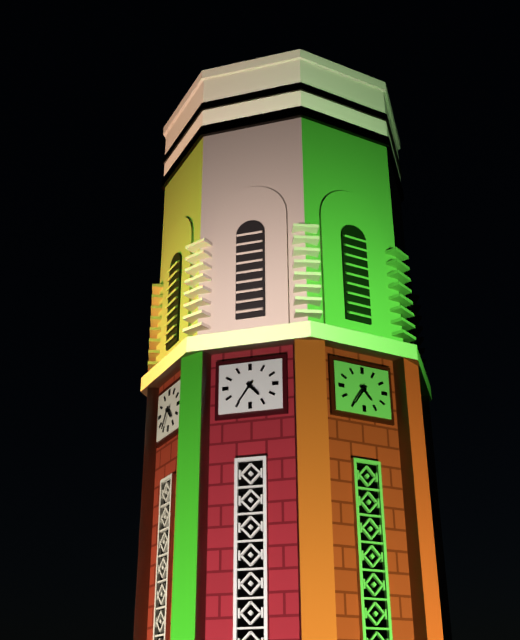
4:36
